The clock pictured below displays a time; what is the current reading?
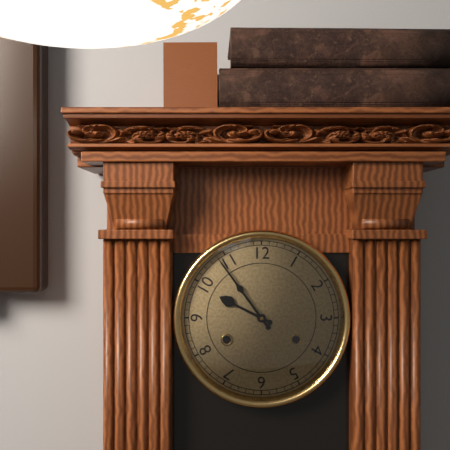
9:54
